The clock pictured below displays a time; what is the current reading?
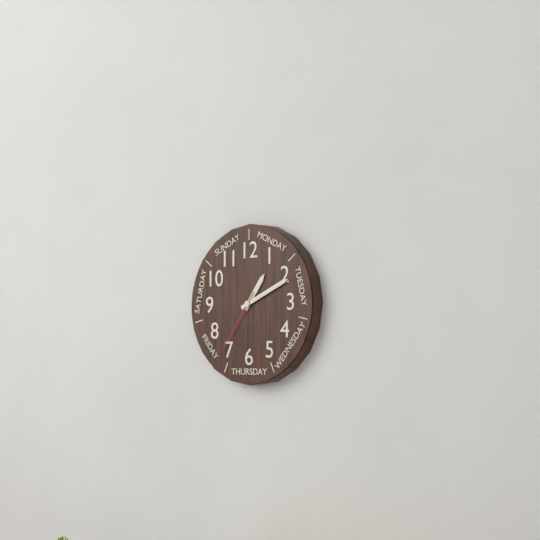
1:11:36
